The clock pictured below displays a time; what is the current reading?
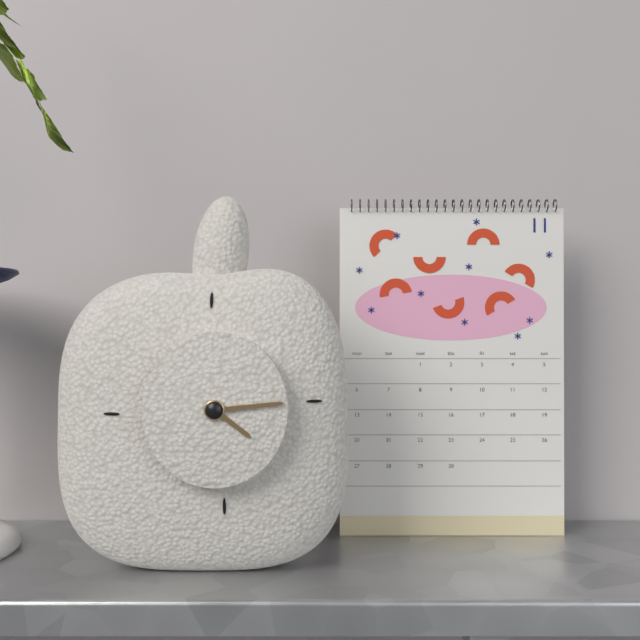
4:14
